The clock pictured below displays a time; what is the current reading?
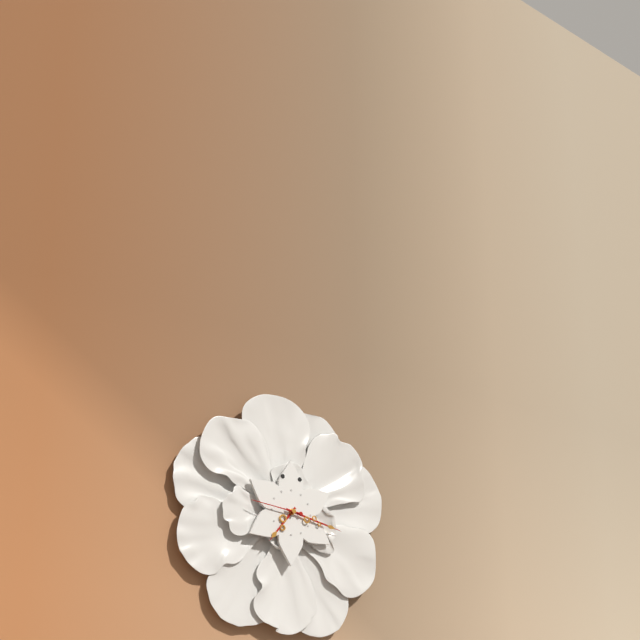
7:17:46
